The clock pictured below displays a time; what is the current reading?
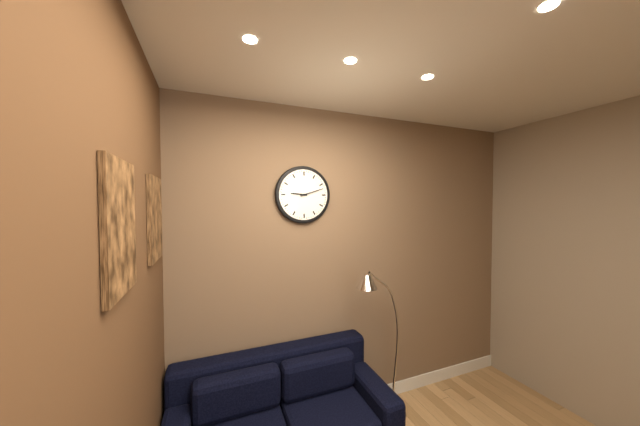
9:12
